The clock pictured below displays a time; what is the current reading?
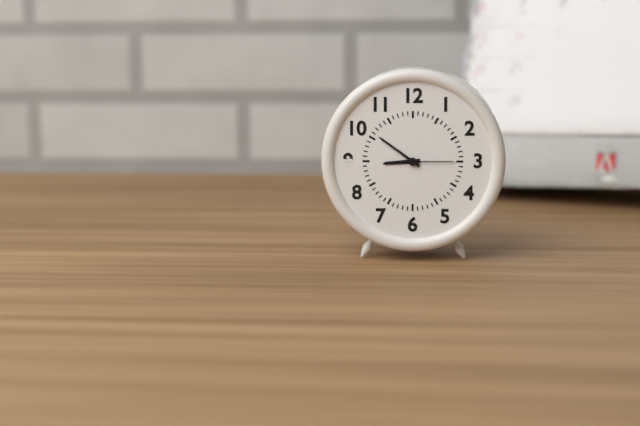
8:51:15
